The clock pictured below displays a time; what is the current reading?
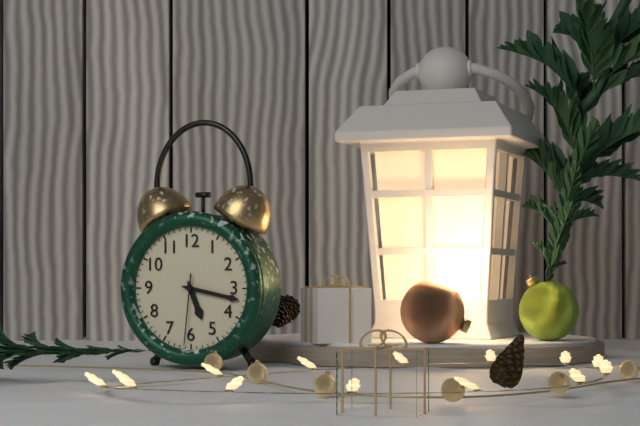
5:17:31
